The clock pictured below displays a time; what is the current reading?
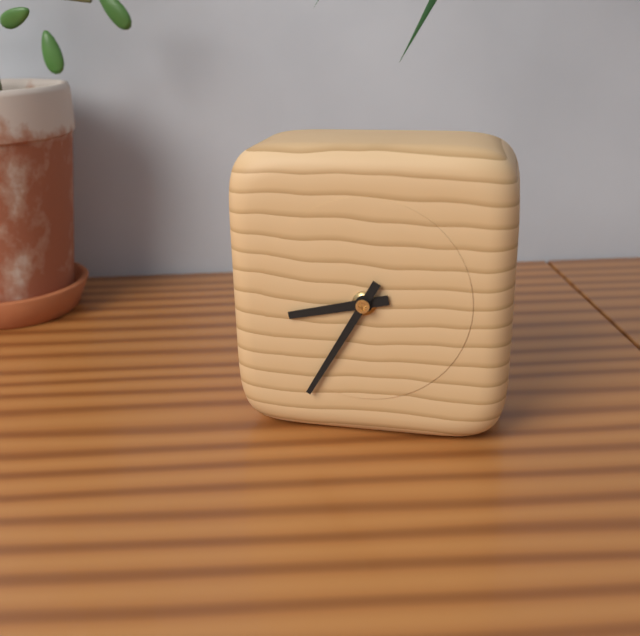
8:35
